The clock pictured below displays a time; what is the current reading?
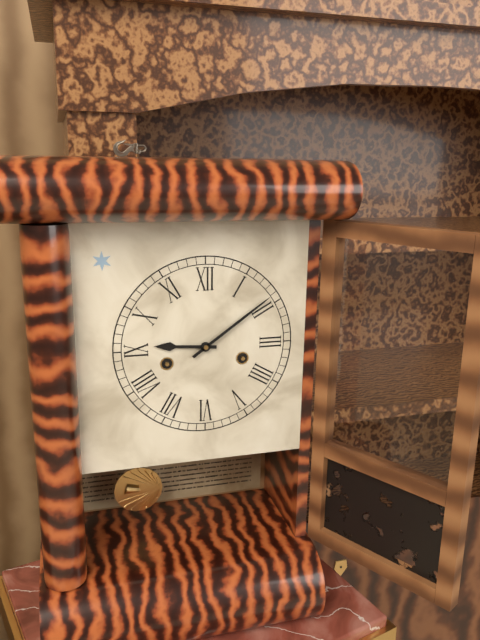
9:09
